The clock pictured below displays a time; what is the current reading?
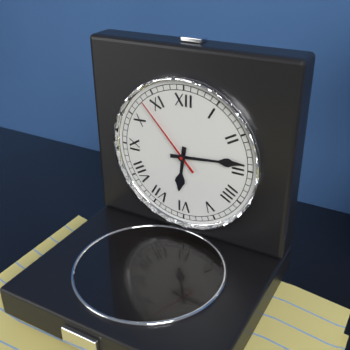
6:14:53
